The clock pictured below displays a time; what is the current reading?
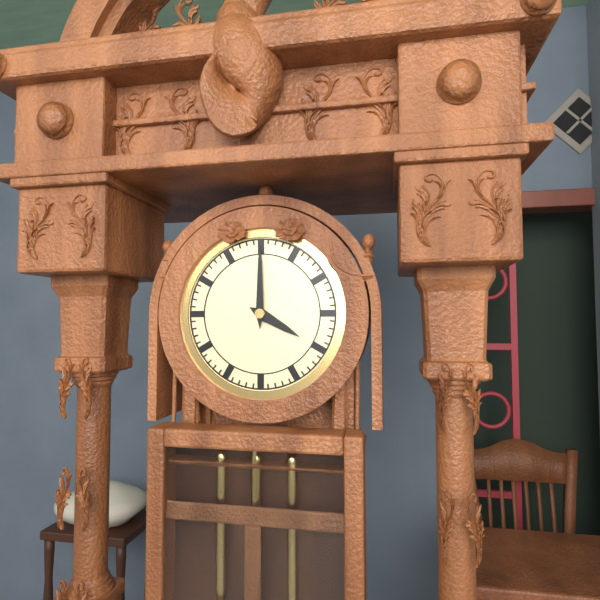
4:00
